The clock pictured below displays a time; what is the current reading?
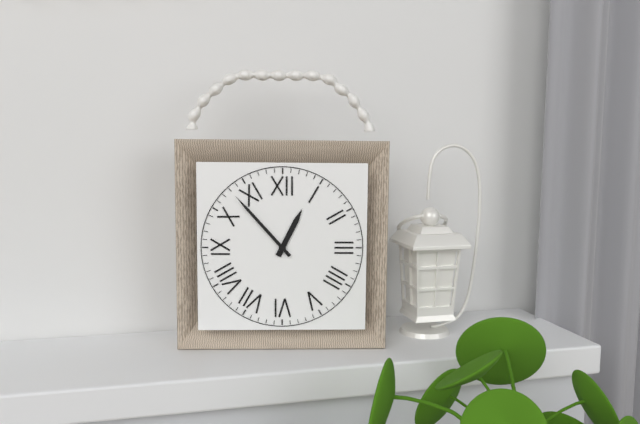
12:53
